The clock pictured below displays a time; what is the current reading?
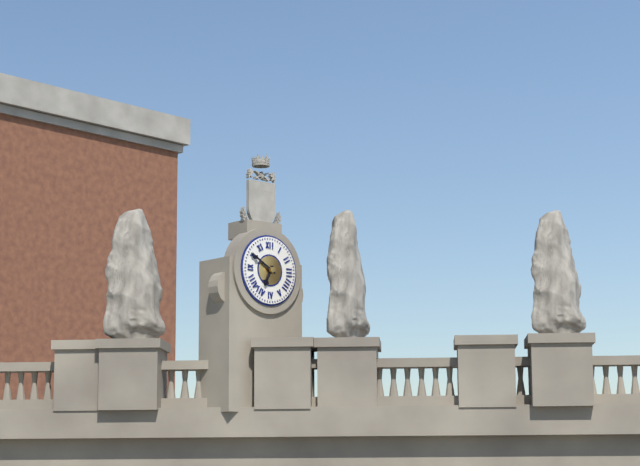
6:50
